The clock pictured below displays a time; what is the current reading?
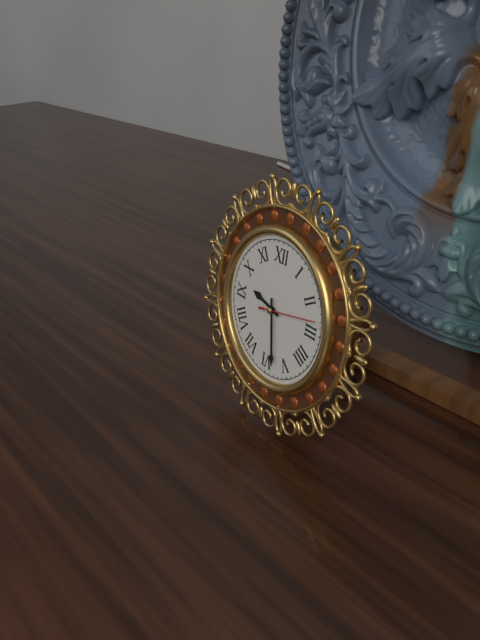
9:28
